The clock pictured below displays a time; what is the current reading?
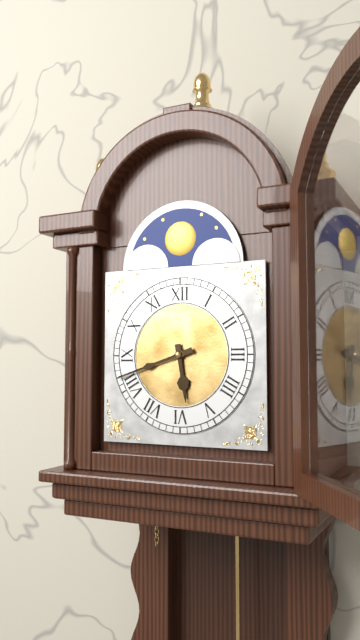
5:42
